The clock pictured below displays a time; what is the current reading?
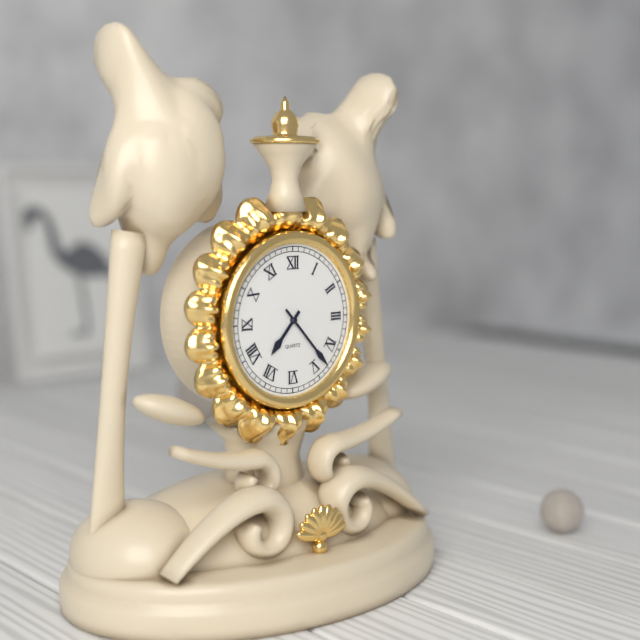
7:23
